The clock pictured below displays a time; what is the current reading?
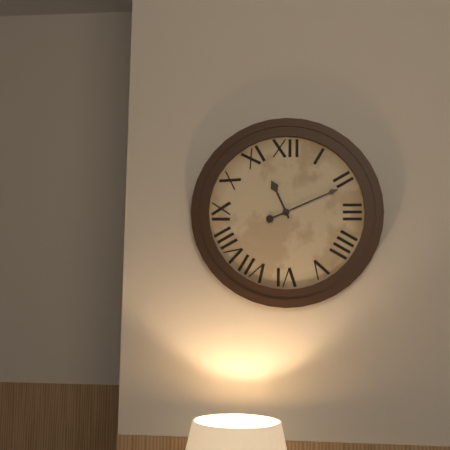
11:11
